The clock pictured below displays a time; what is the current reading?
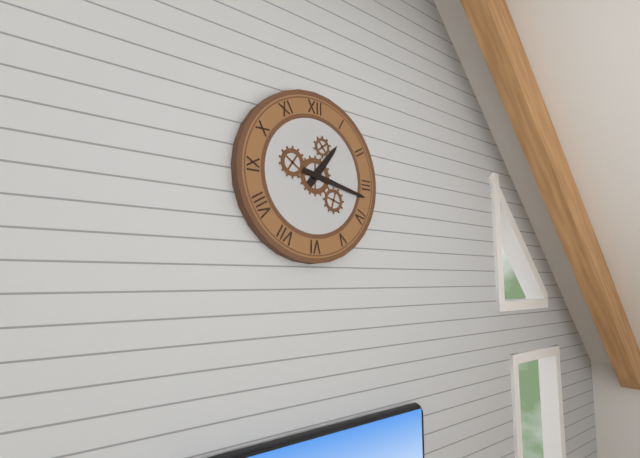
1:17
